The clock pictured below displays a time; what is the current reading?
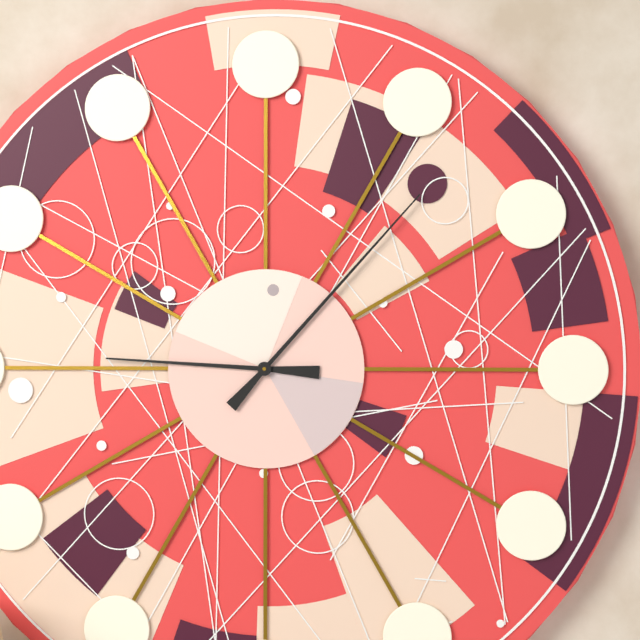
9:07
